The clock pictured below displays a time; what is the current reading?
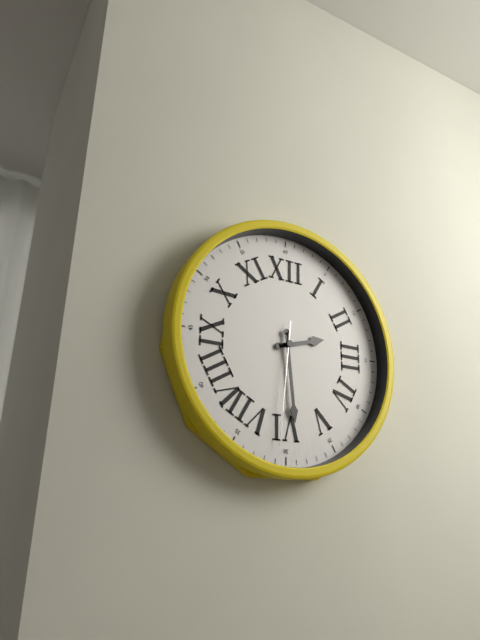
2:29:31
